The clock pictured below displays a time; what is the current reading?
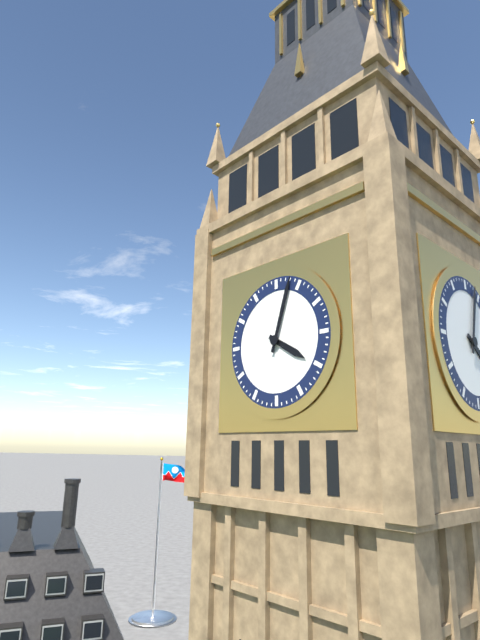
4:03
